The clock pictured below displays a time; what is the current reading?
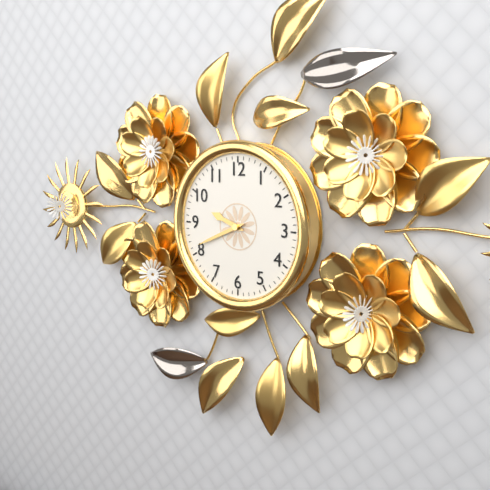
9:41
